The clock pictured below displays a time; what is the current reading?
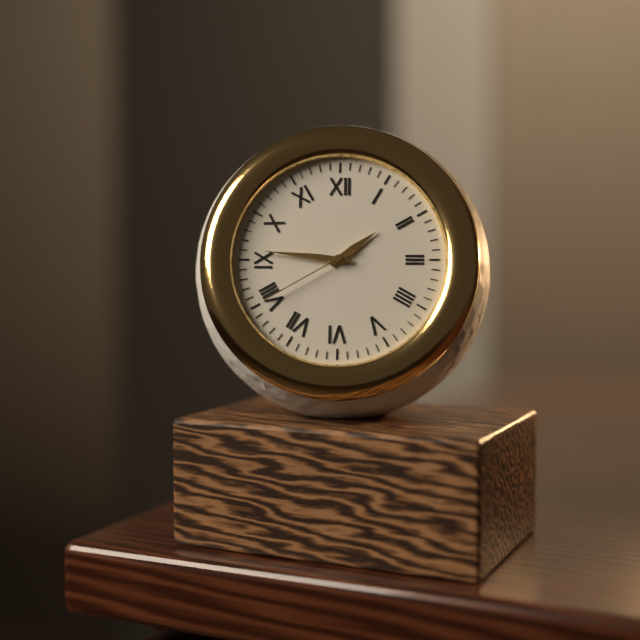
1:46:40
